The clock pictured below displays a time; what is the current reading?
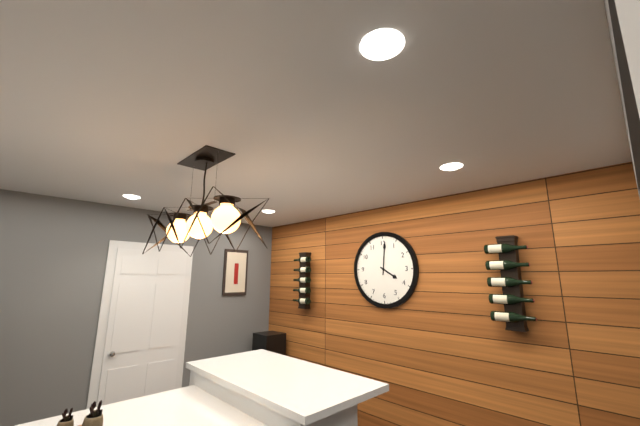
4:01
